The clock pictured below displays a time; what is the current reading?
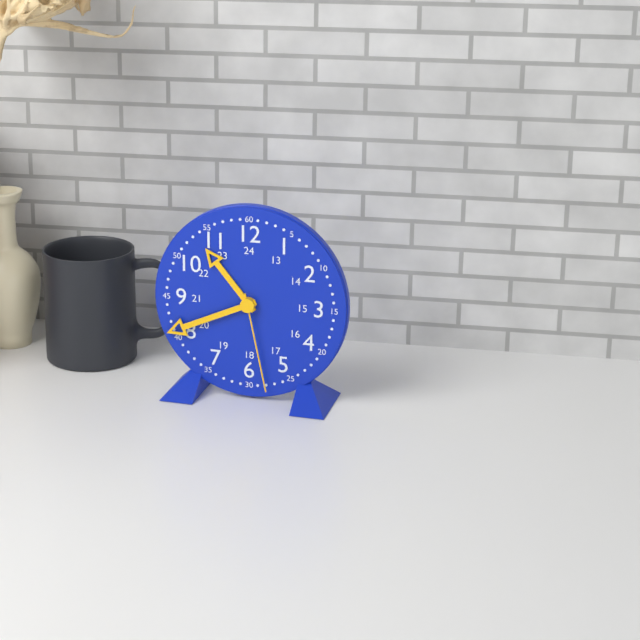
10:41:28
